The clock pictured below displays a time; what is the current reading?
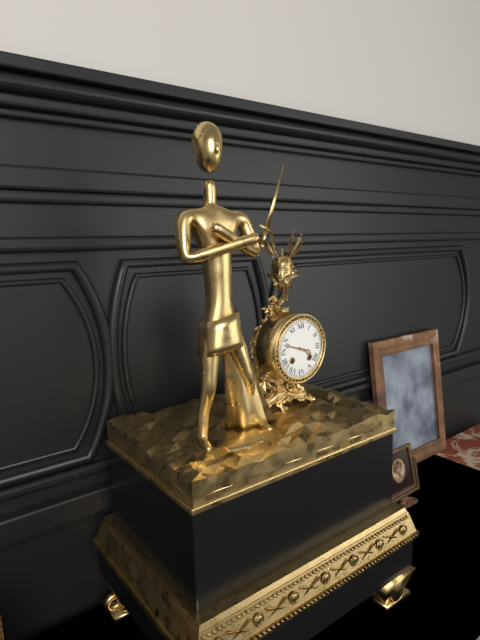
3:48
